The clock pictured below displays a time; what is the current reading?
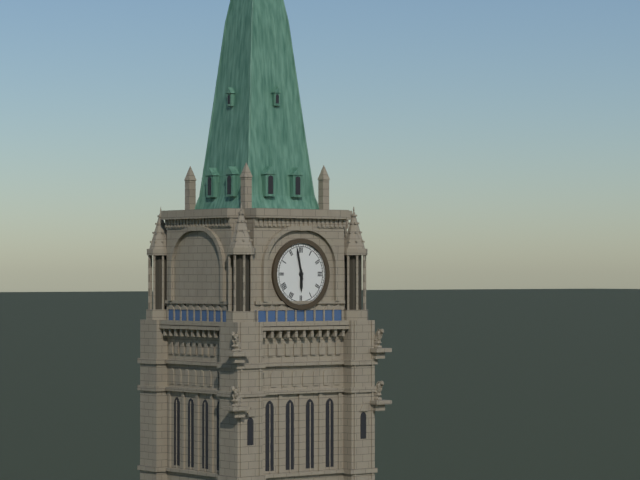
5:58
